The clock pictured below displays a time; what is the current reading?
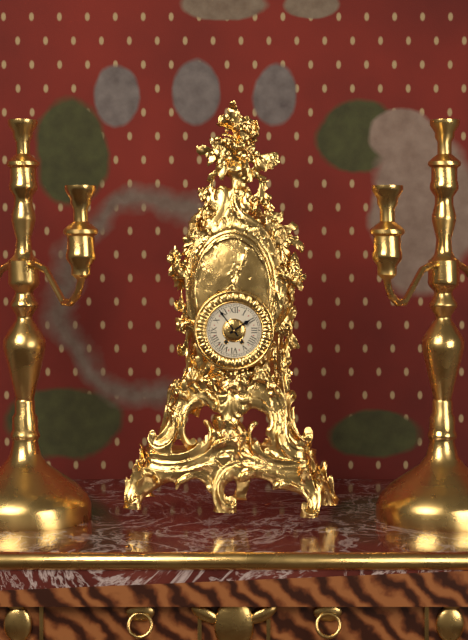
1:54
